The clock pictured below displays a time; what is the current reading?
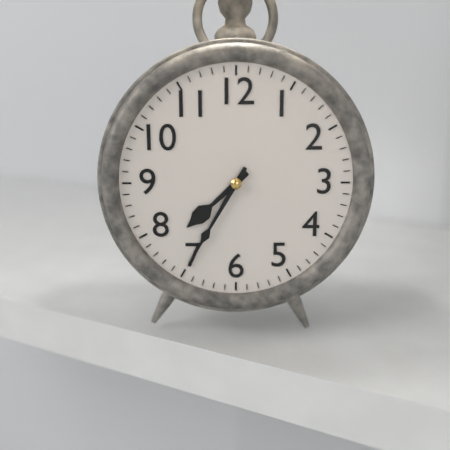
7:35
